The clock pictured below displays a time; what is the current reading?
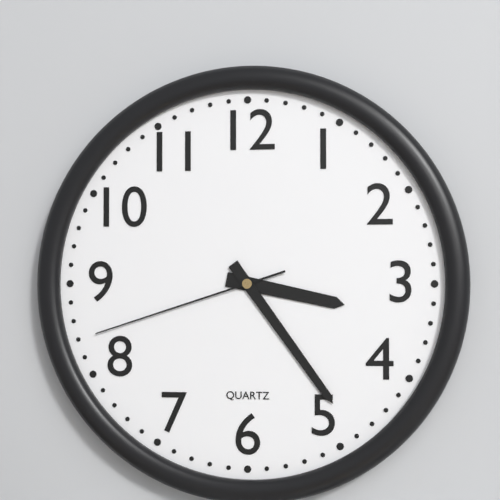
3:24:42
